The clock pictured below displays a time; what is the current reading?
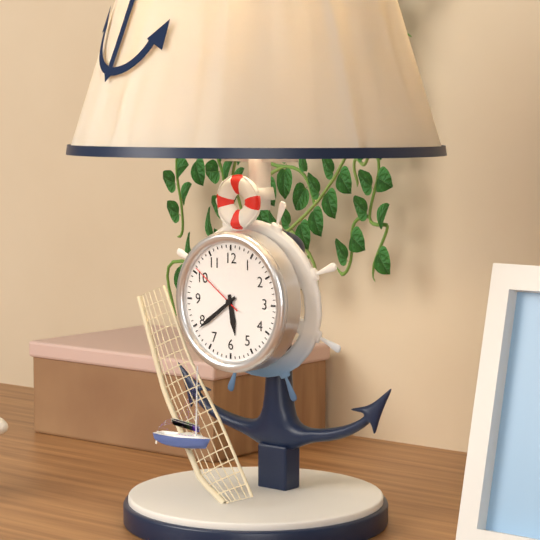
5:39:51
